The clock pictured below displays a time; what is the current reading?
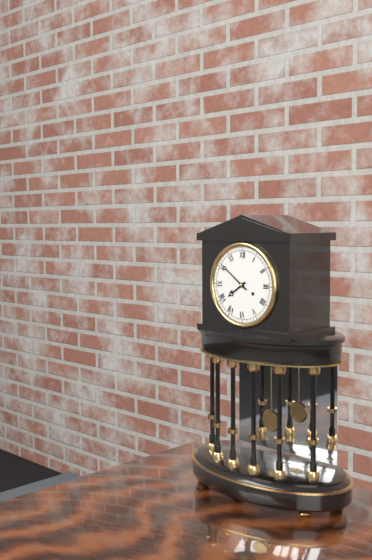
7:51
